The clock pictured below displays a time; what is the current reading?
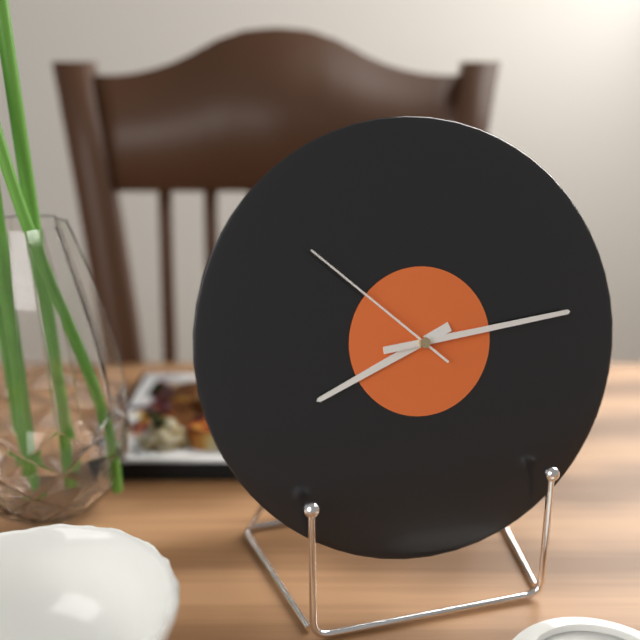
8:14:52
